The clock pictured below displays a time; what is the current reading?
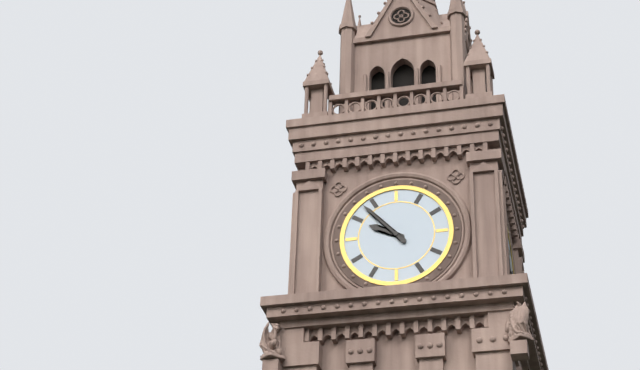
9:53
